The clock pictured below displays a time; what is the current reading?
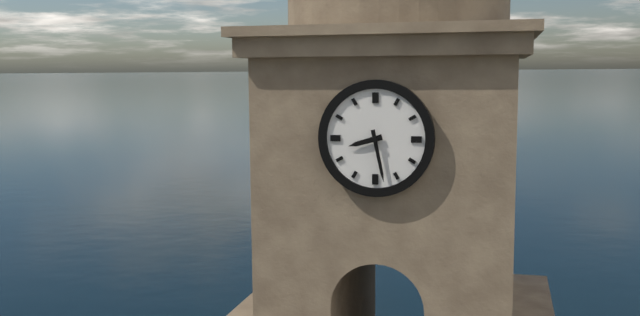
8:28
